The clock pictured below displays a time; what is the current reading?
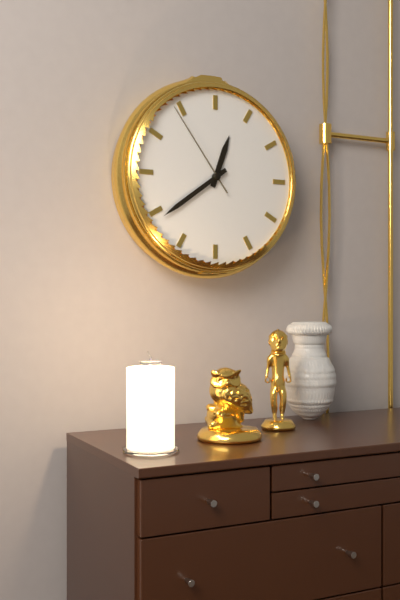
12:39:54
